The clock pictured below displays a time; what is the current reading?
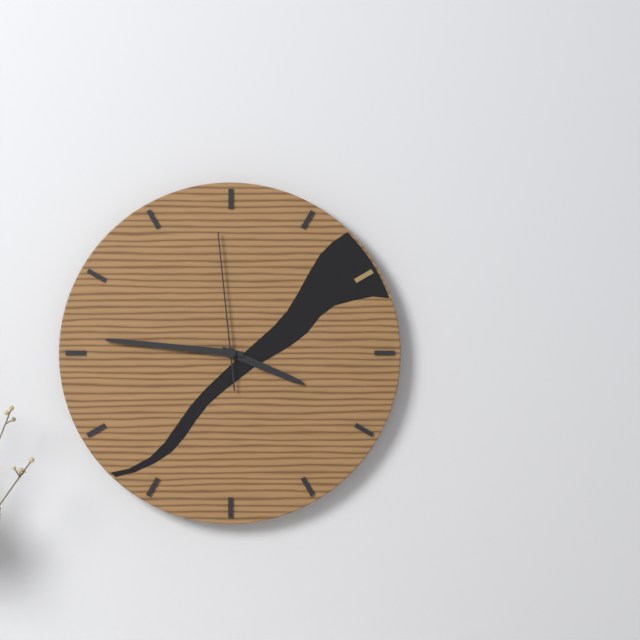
3:46:59
